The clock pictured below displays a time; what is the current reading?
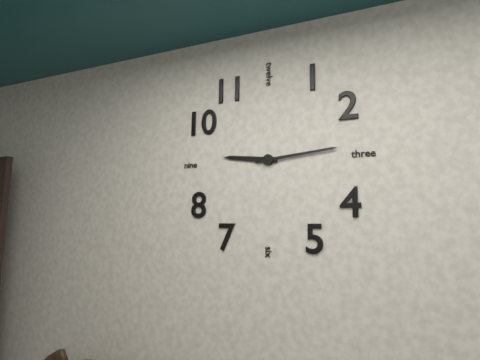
9:14
